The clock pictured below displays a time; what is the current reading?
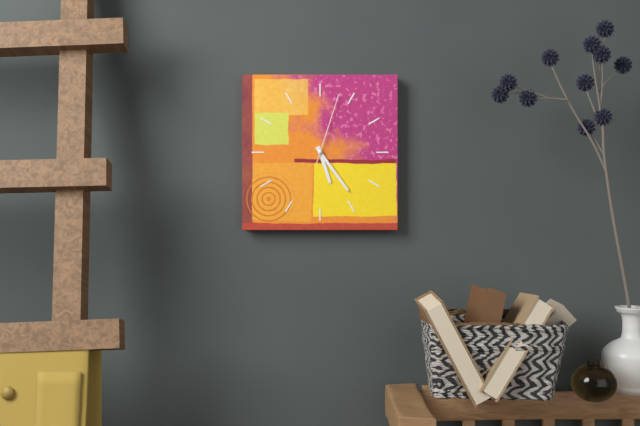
5:24:03
